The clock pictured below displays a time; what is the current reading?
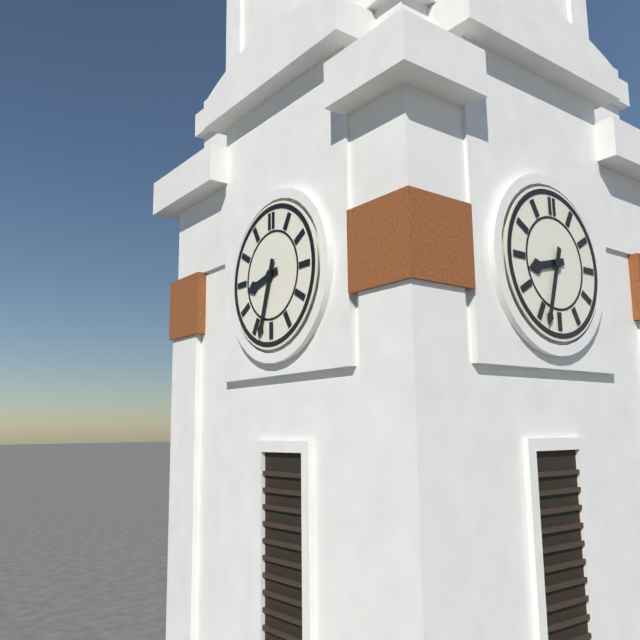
8:33
